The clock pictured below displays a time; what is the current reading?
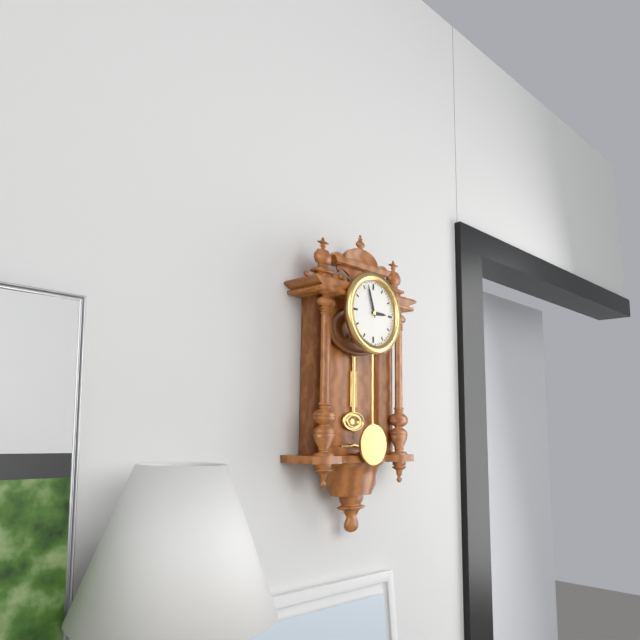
2:57
